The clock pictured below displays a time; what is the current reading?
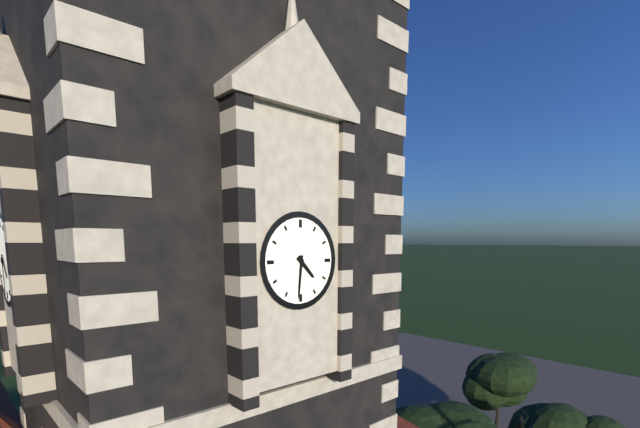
4:31
